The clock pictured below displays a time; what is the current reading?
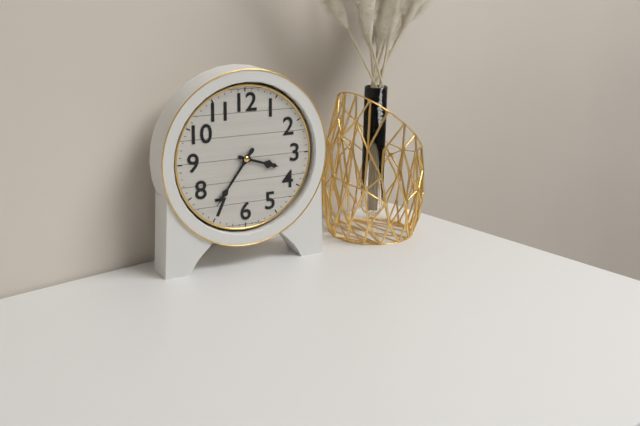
3:36
